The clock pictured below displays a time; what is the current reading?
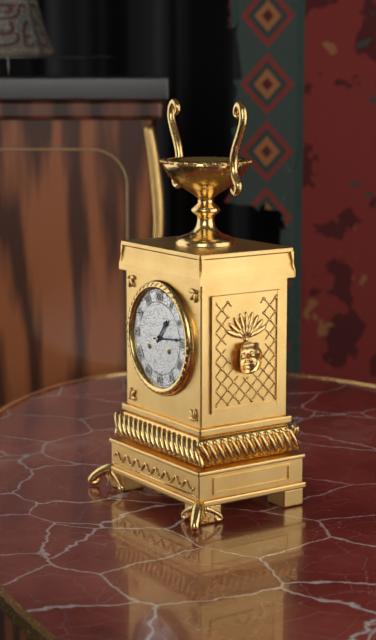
1:14
